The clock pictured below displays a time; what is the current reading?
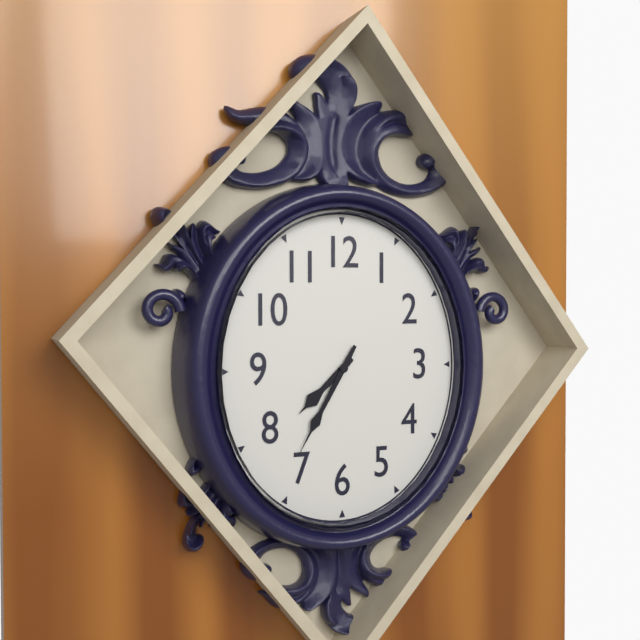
7:35
